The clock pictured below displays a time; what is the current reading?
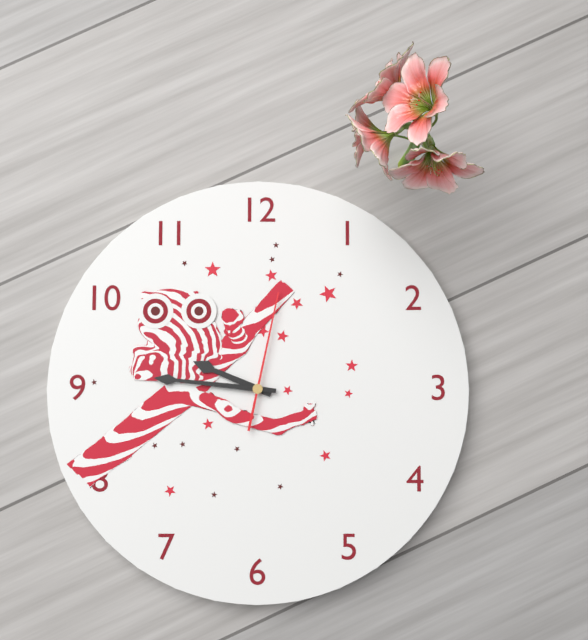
9:46:02
